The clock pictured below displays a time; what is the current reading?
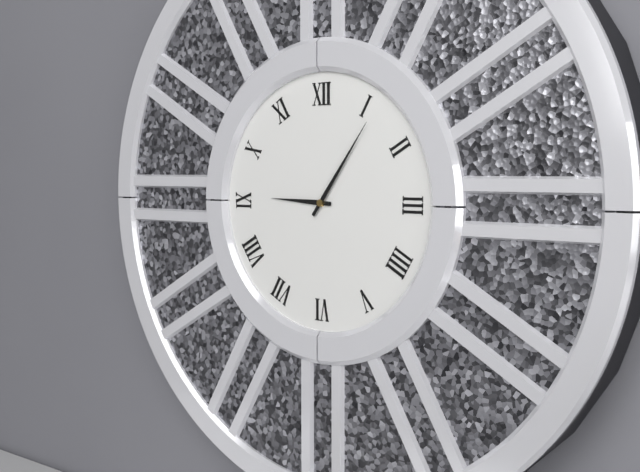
9:06
